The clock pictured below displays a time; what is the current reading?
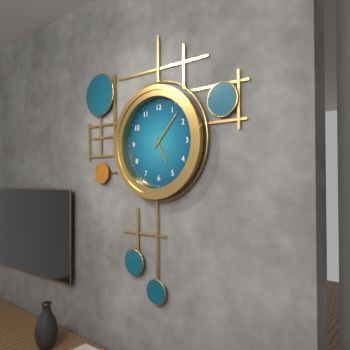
5:07
